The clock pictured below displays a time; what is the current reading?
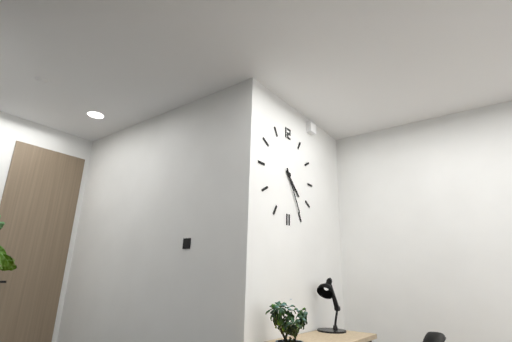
4:25
